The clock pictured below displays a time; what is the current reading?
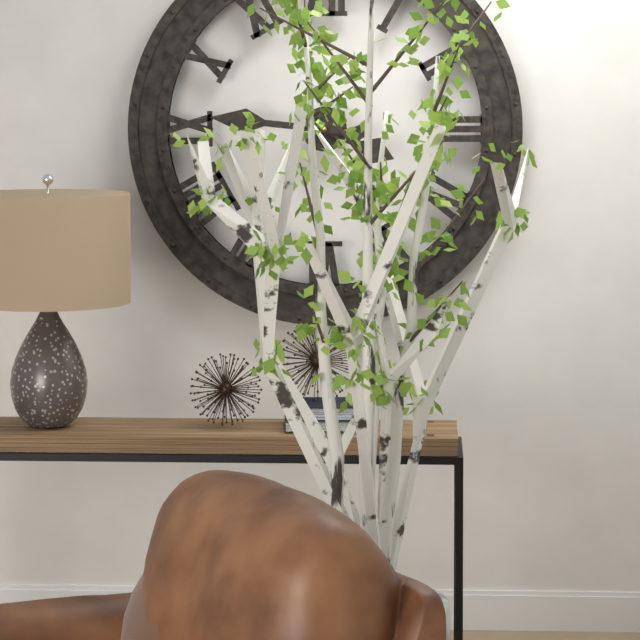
3:46
